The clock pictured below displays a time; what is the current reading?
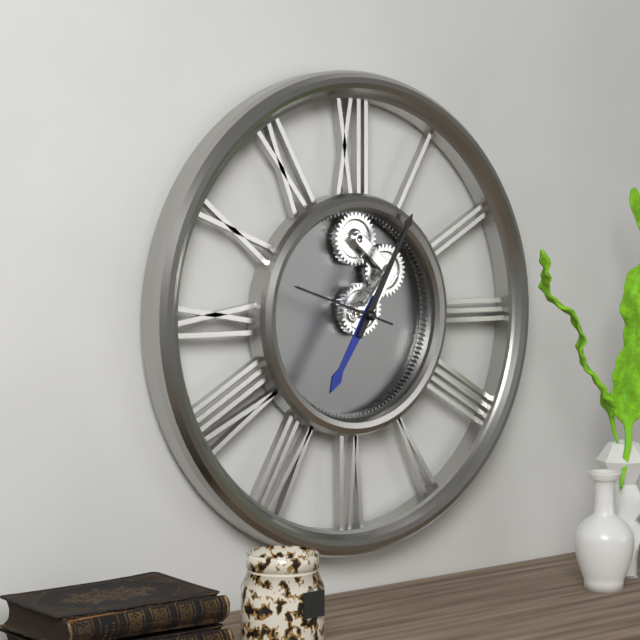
7:05:48
